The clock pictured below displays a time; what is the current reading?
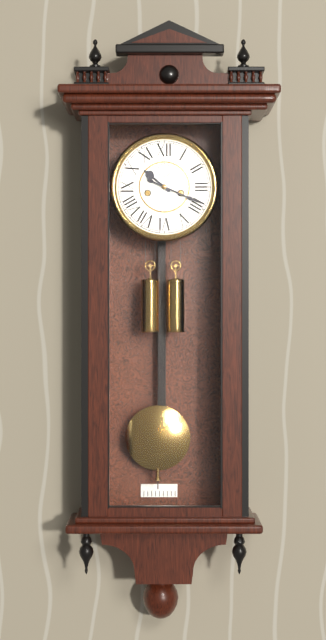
10:19
